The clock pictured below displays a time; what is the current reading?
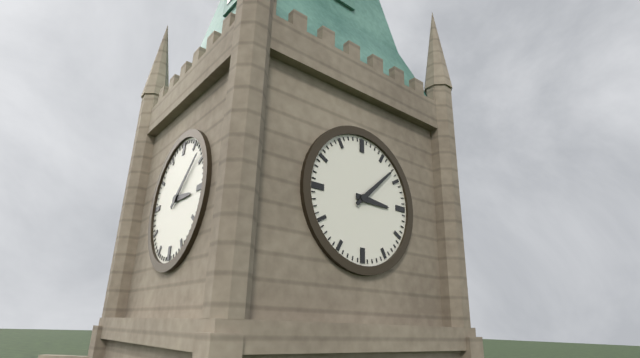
3:08
